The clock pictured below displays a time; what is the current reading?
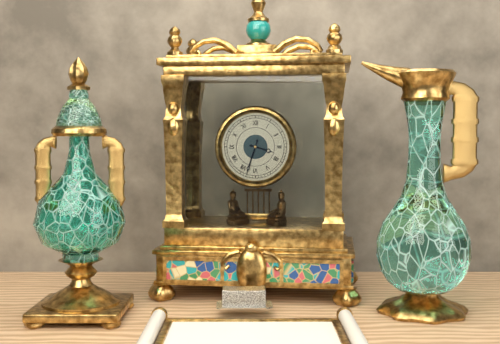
3:33
